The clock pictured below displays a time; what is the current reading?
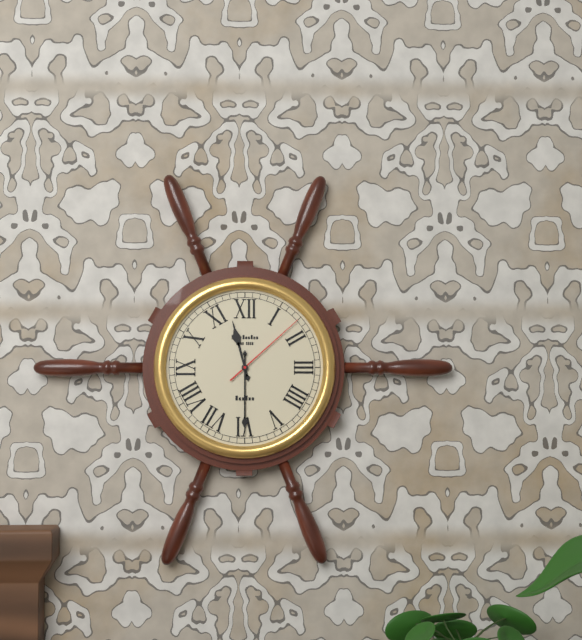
11:30:08
